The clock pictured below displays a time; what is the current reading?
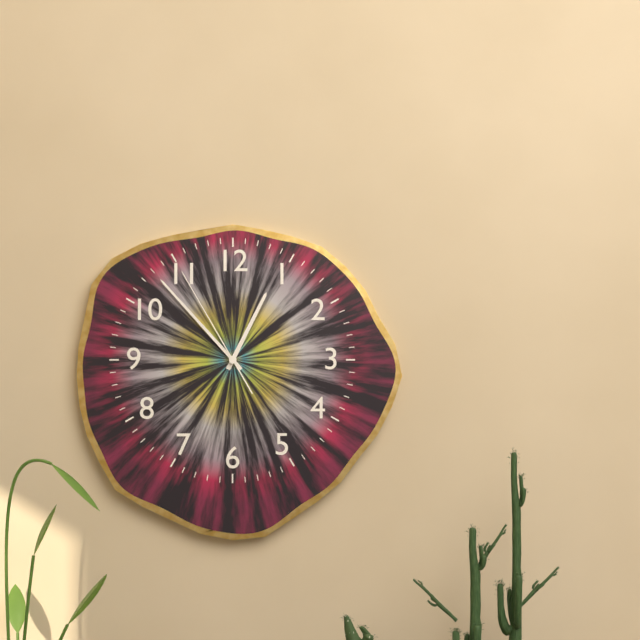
12:53:55
